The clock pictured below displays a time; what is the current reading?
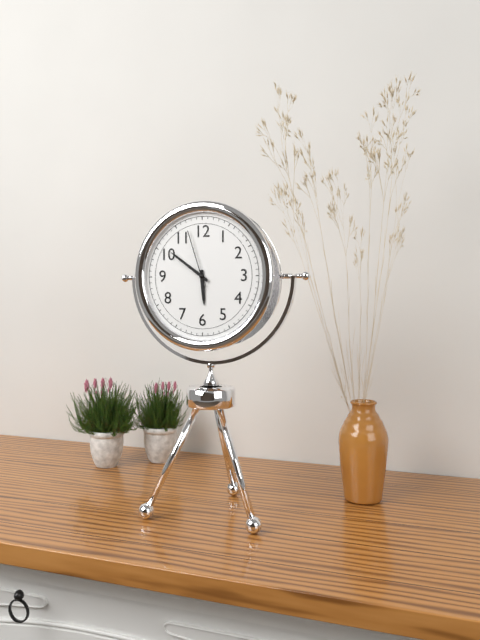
5:51:57
